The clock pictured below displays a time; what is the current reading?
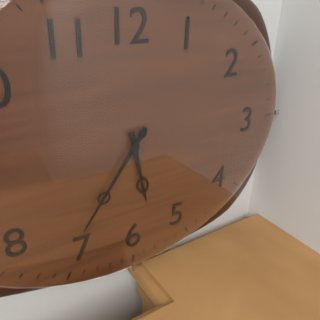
5:36
